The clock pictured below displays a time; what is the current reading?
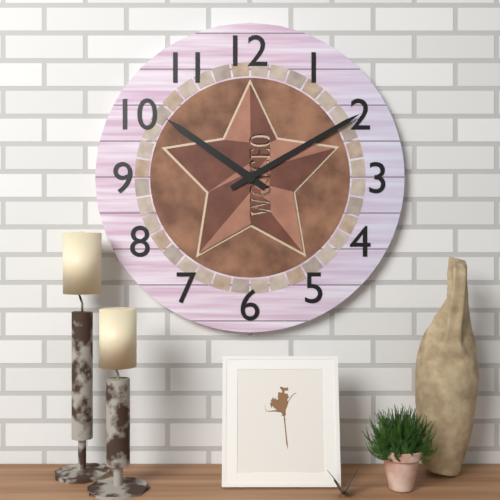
10:10
